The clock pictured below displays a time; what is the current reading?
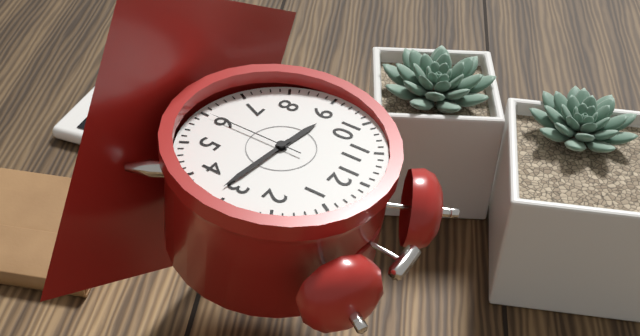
9:16:30
